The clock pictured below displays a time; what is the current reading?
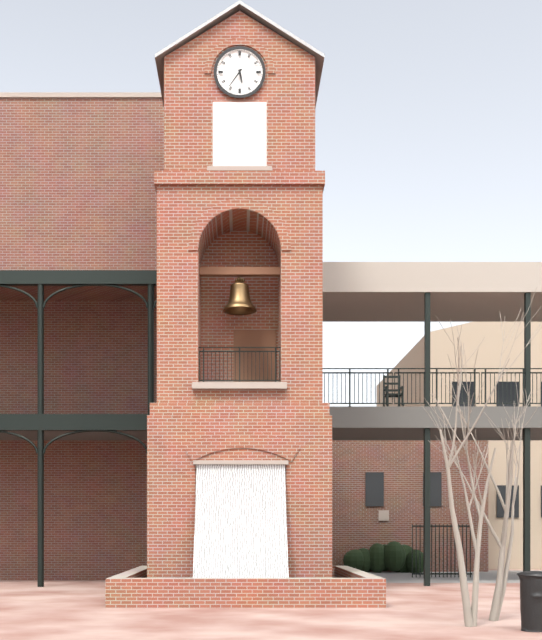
5:36
